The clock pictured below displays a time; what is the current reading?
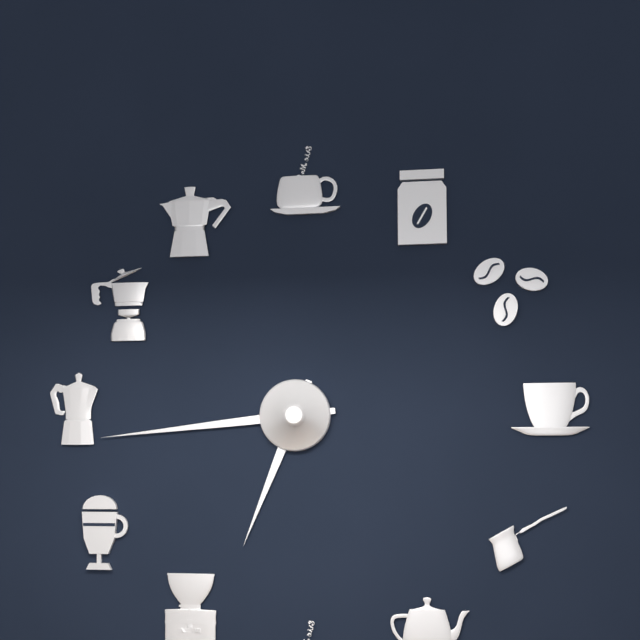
6:44
